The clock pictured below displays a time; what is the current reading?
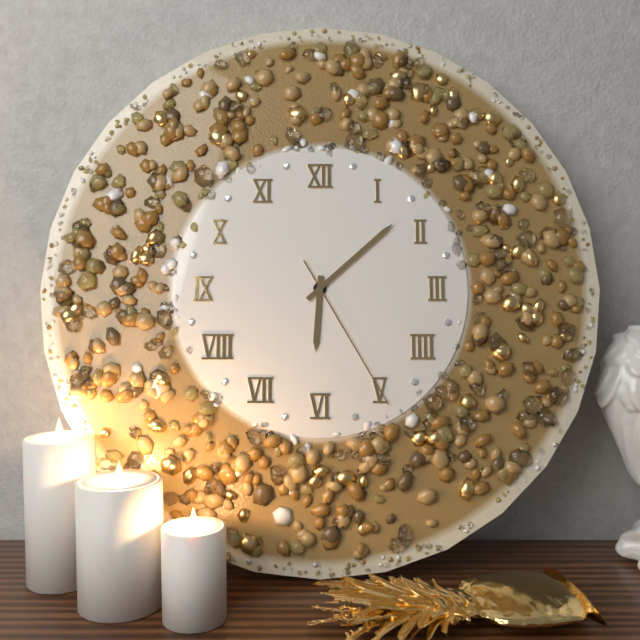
6:08:25
